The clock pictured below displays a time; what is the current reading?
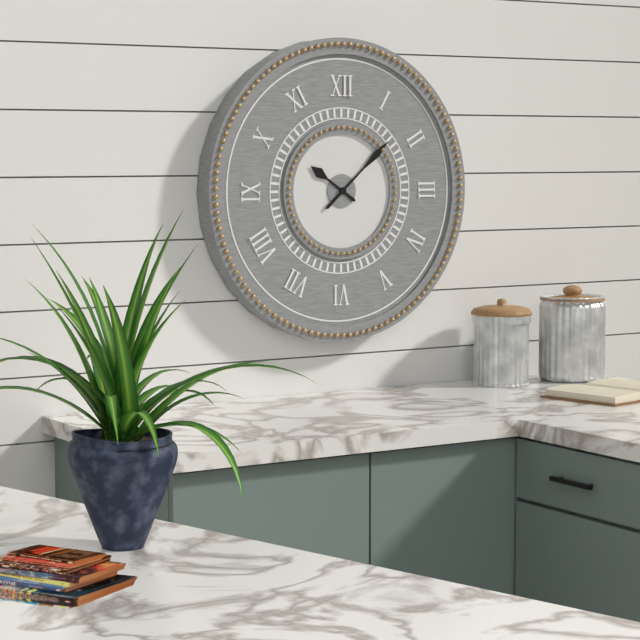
10:08
